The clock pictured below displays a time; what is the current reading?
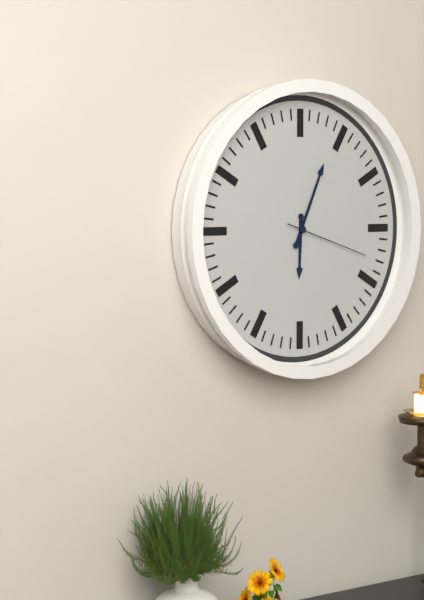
6:04:18
